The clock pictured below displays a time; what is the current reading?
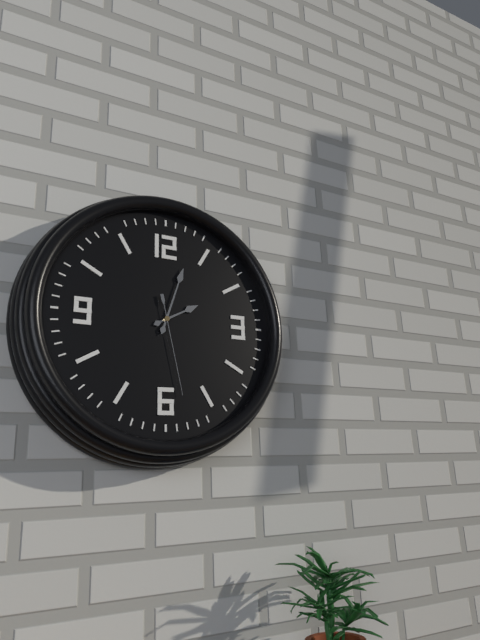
2:03:28
